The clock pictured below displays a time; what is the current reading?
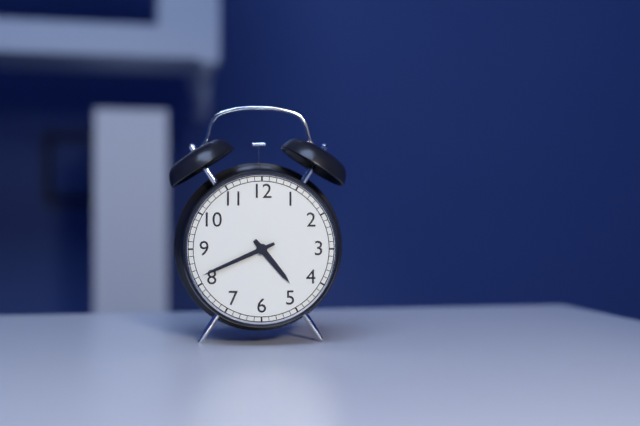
4:41
